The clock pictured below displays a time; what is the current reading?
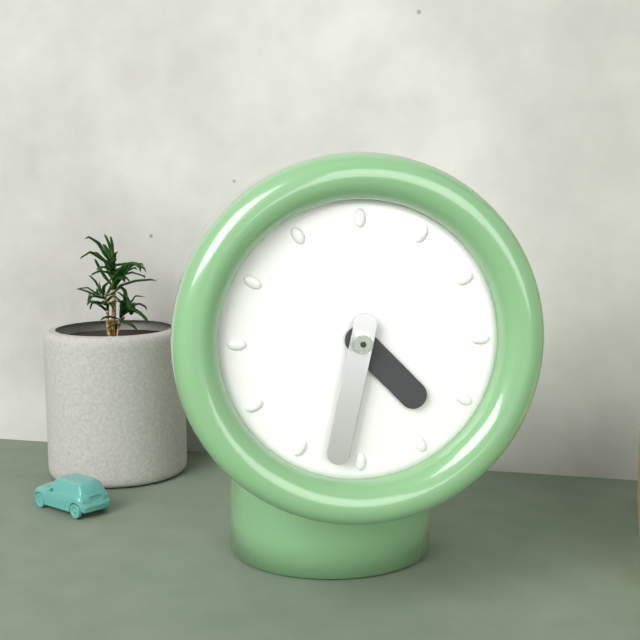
4:32
